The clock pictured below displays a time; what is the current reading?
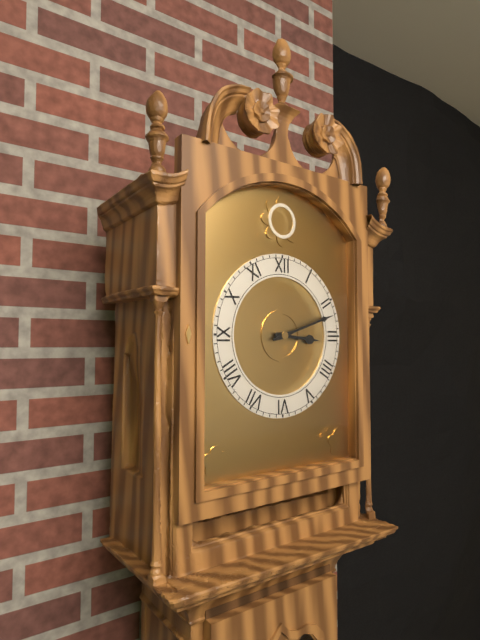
3:12
